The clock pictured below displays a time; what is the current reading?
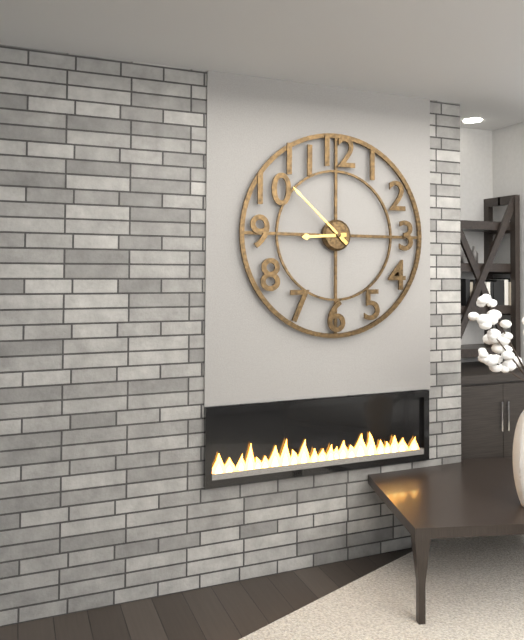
8:52
